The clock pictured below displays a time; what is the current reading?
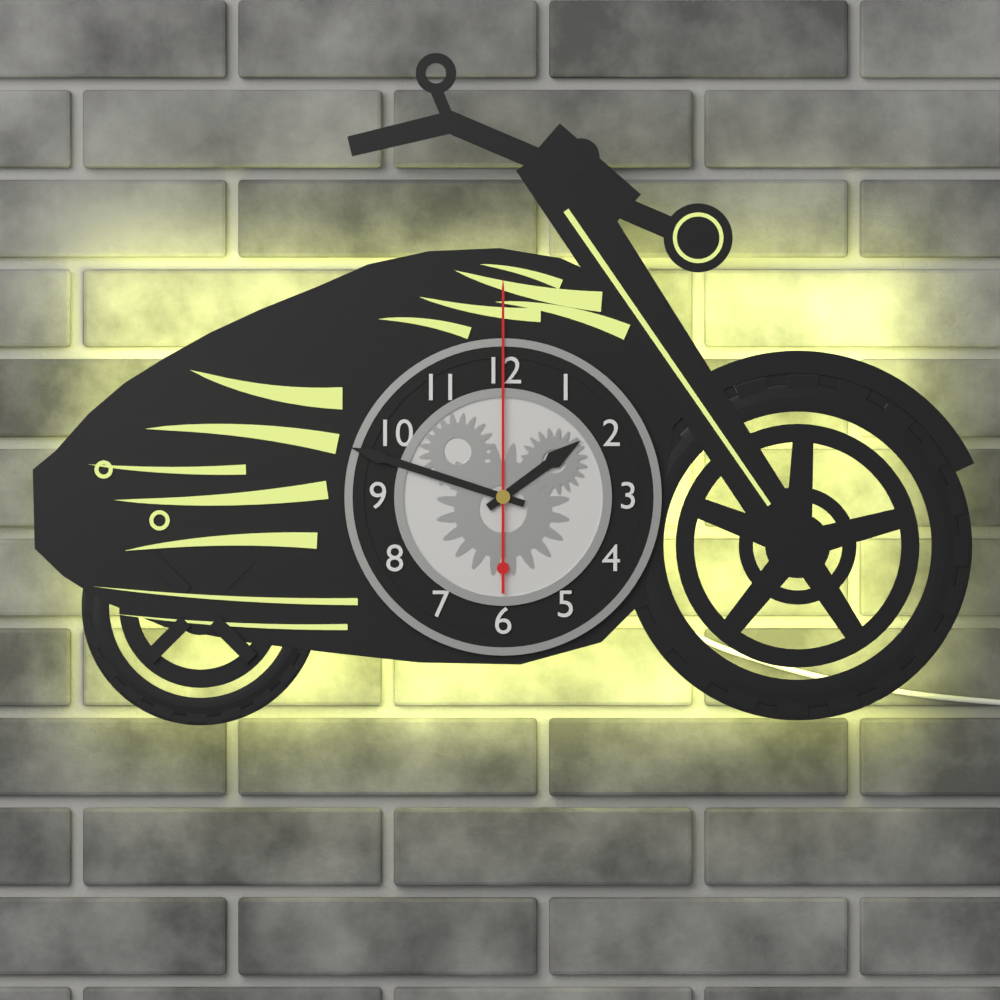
1:48:00
